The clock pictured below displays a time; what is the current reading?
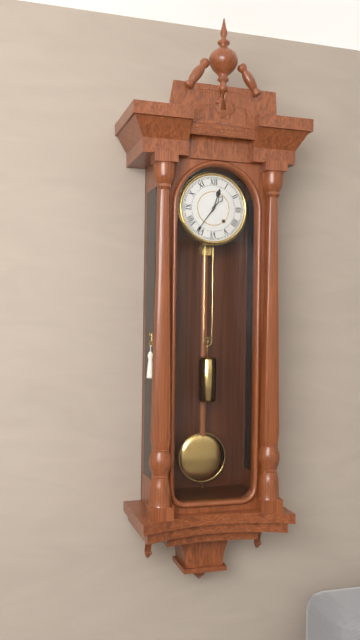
12:36
